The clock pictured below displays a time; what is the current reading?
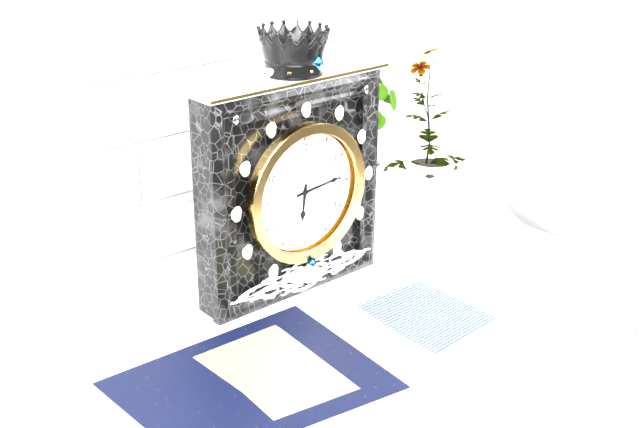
6:14
